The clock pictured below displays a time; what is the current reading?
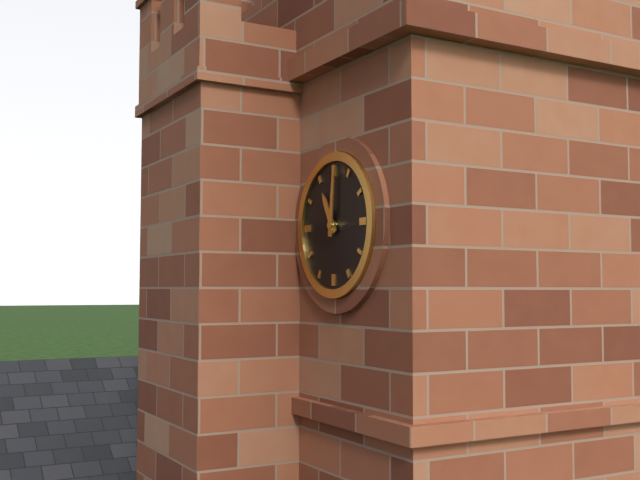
11:01
